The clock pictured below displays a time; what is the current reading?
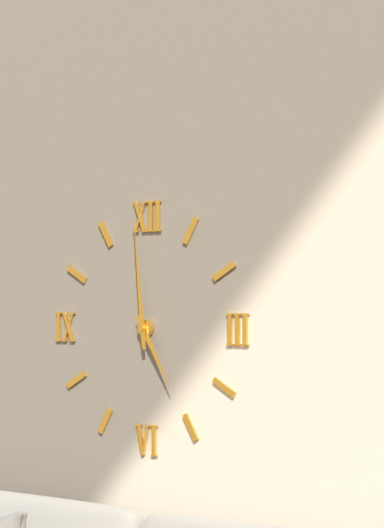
4:59
